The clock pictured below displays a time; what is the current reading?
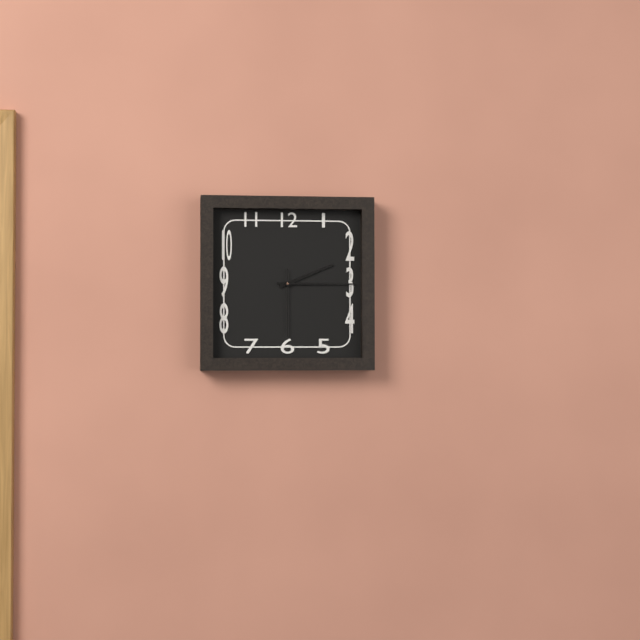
2:15:30
